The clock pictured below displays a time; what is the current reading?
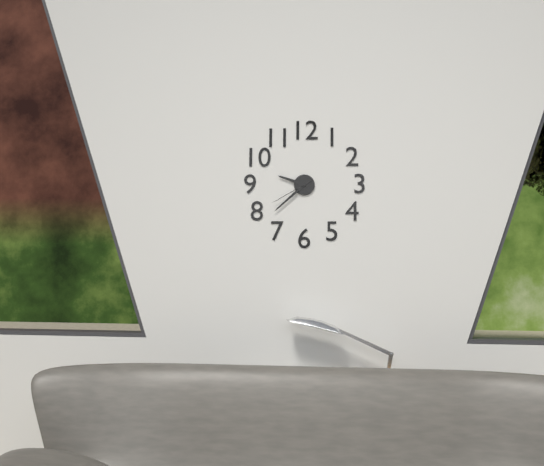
9:38
